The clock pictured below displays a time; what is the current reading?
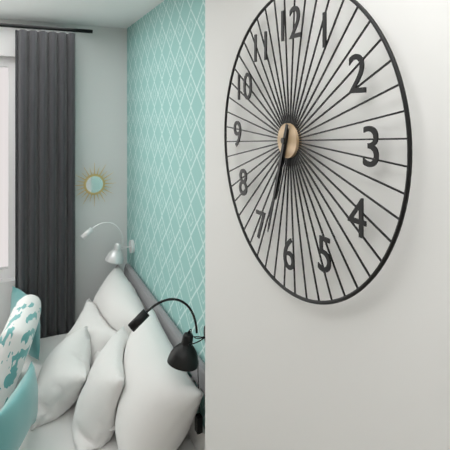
6:33
